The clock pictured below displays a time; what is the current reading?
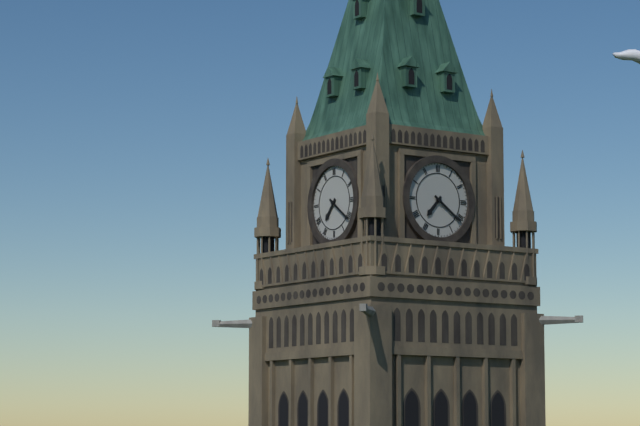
7:21
